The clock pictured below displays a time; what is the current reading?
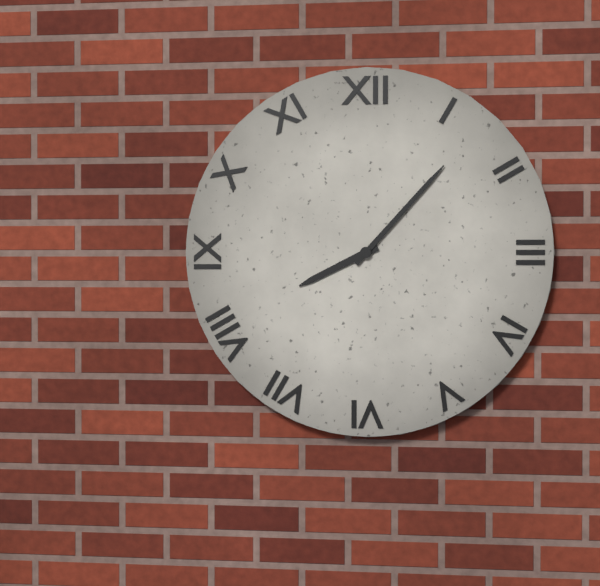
8:07
